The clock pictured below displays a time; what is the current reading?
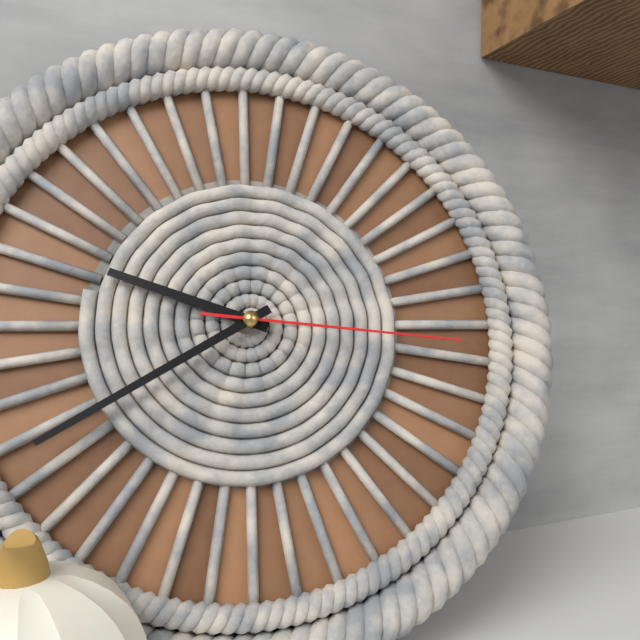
9:40:16
